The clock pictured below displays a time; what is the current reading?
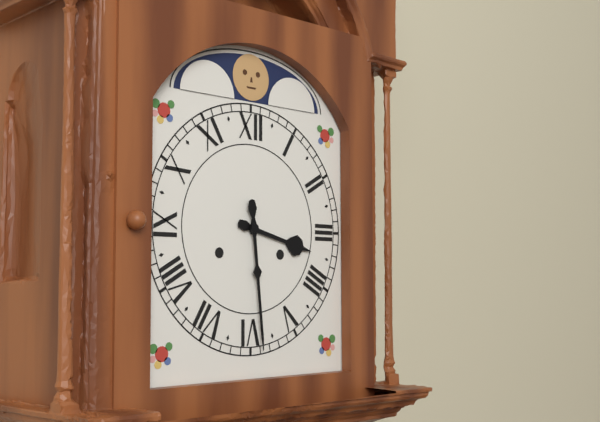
3:29
